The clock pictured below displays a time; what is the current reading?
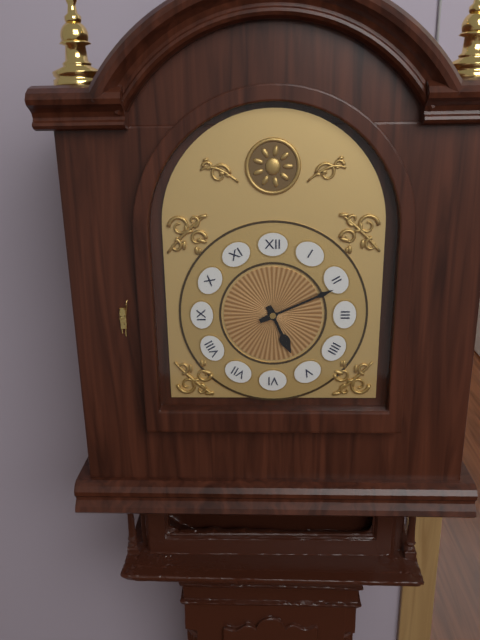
5:11
